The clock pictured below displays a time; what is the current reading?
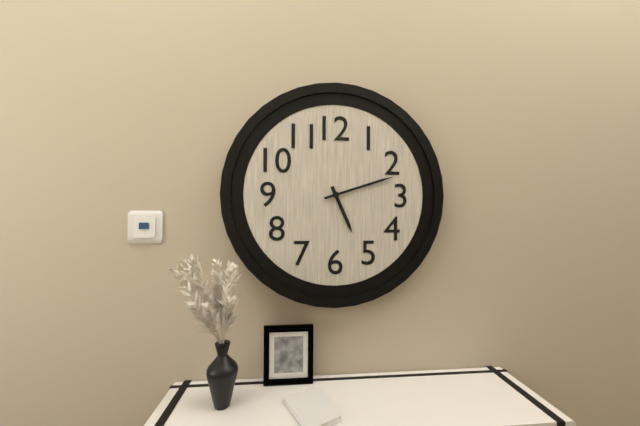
5:12
